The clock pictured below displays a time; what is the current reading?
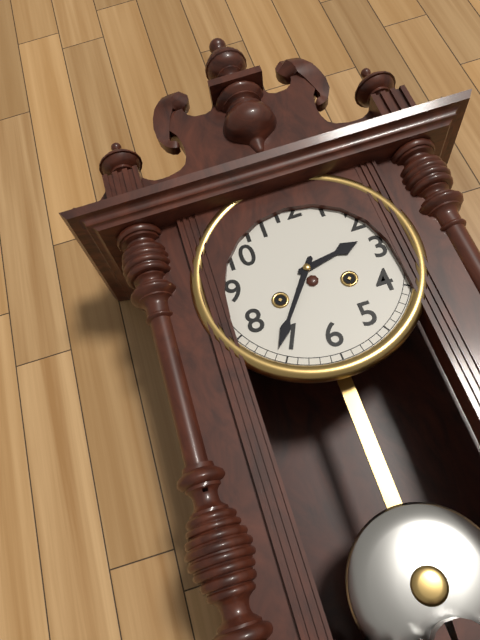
2:36
